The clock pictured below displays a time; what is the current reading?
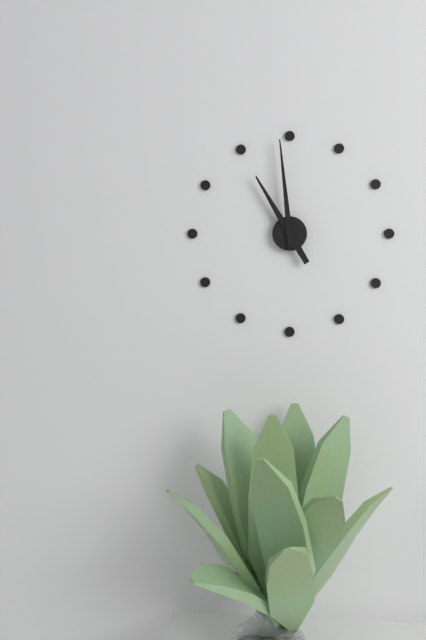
10:59
